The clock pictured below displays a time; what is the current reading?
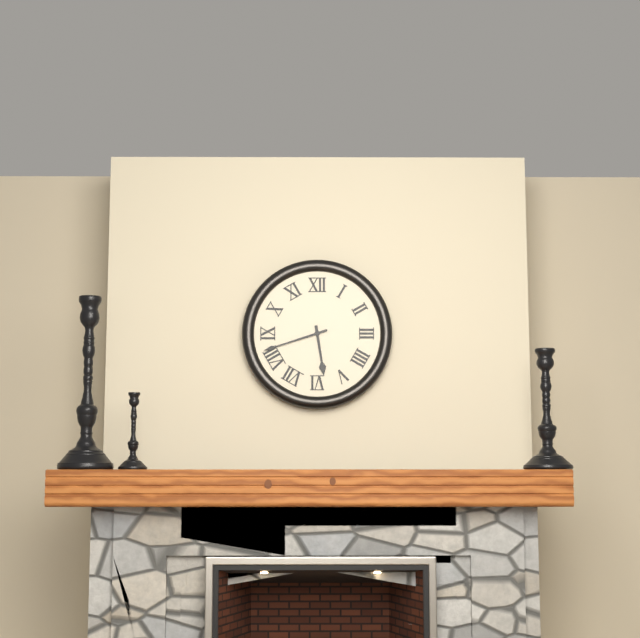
5:42
